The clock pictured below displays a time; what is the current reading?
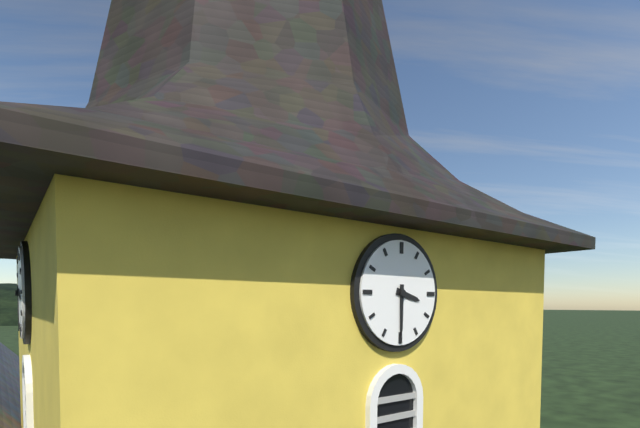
3:30
